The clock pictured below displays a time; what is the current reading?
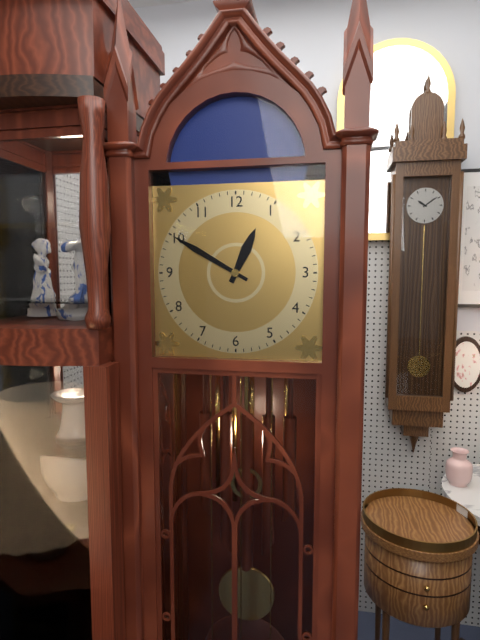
12:50
